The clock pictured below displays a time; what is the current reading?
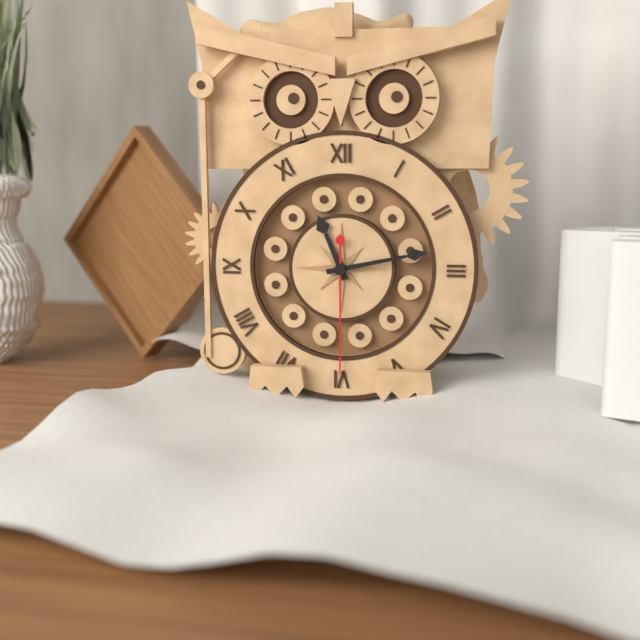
11:13:30
